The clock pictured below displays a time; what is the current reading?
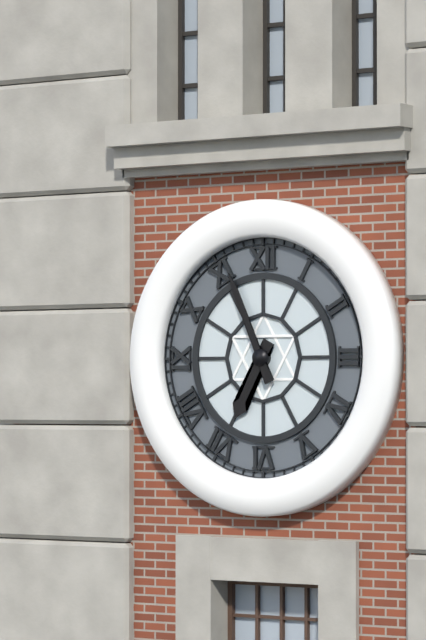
6:56
